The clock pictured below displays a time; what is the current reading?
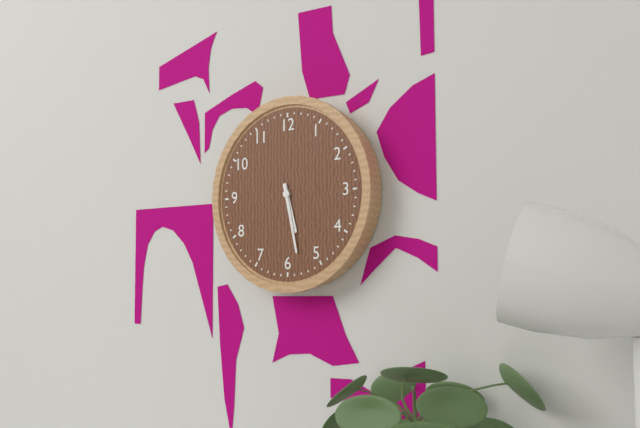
5:28
